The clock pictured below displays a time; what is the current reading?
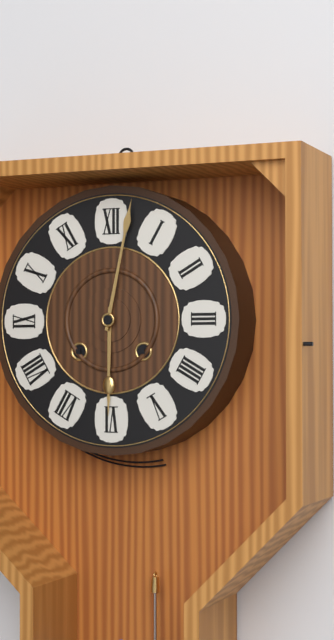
6:02
